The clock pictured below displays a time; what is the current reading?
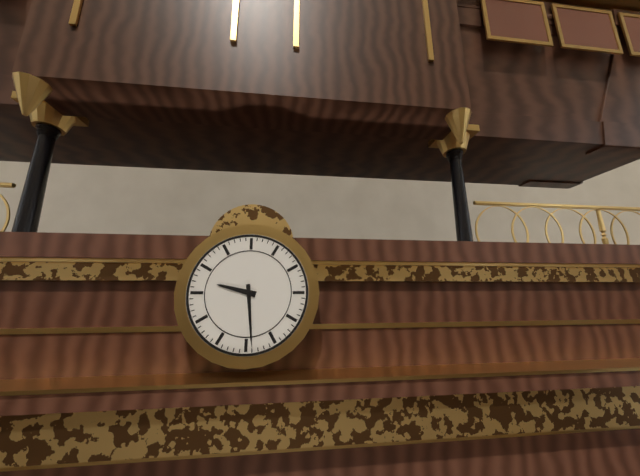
9:29
